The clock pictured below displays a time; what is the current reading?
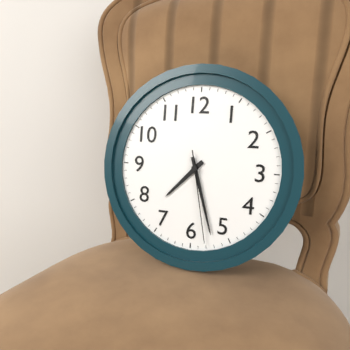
7:27:28
